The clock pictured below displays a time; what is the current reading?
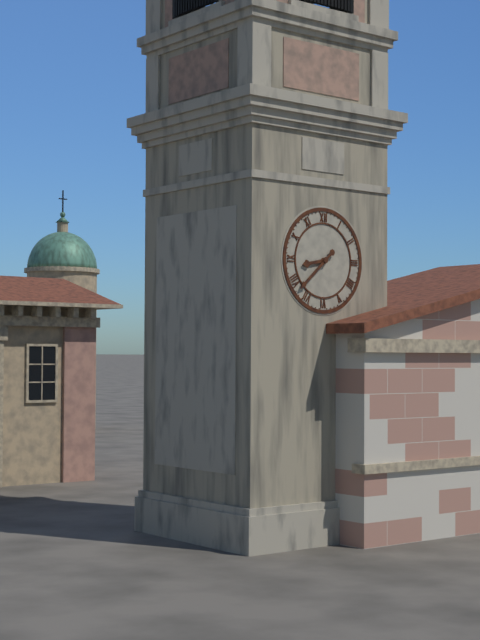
8:38
